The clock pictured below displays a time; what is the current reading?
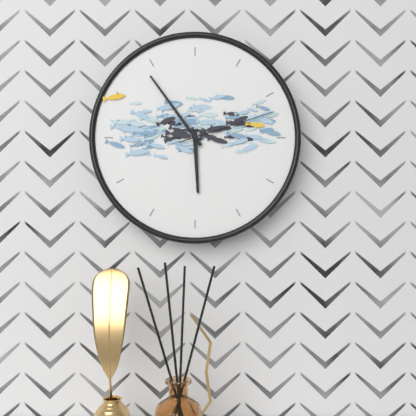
5:54:12
